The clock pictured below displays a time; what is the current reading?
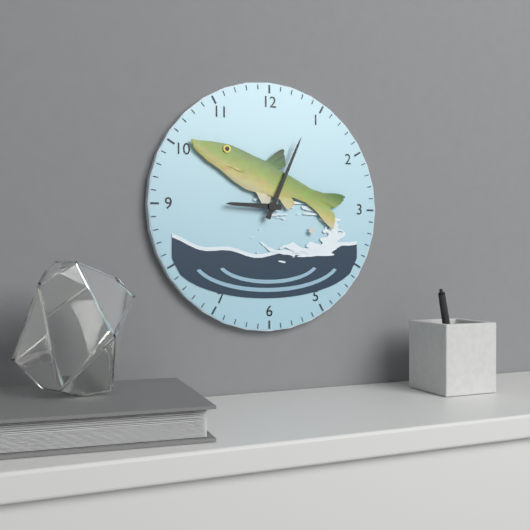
9:04
